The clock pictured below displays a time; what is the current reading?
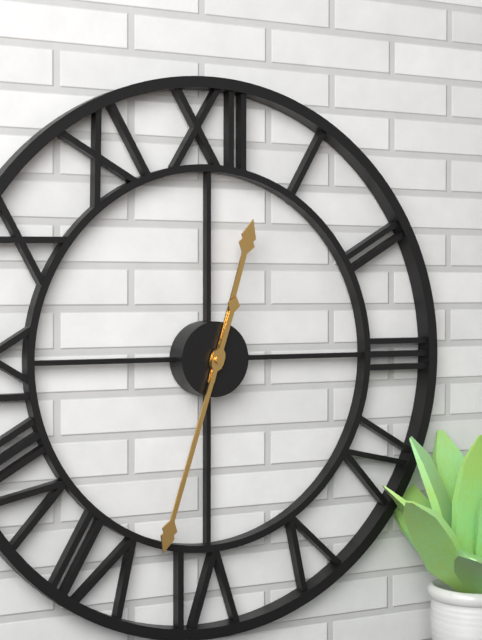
12:33
